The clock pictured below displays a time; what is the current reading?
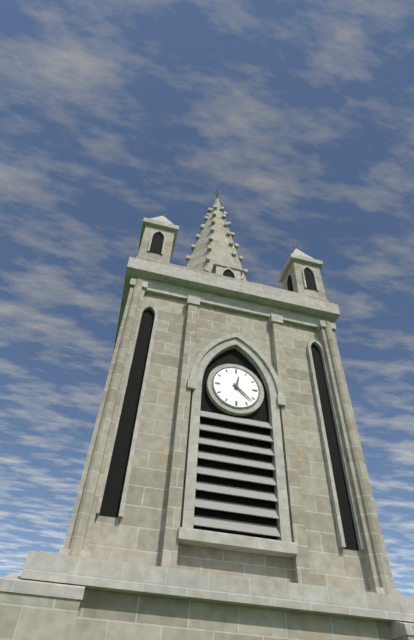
12:22
